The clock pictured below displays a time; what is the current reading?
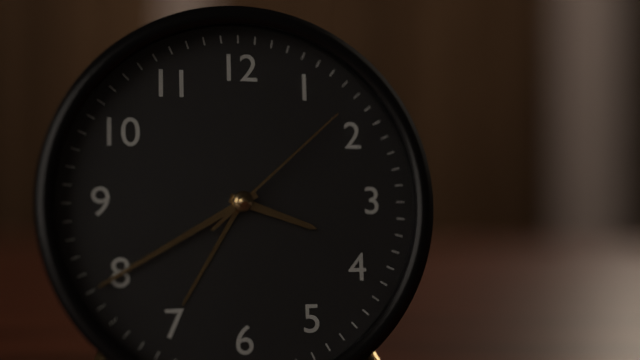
3:40:08
